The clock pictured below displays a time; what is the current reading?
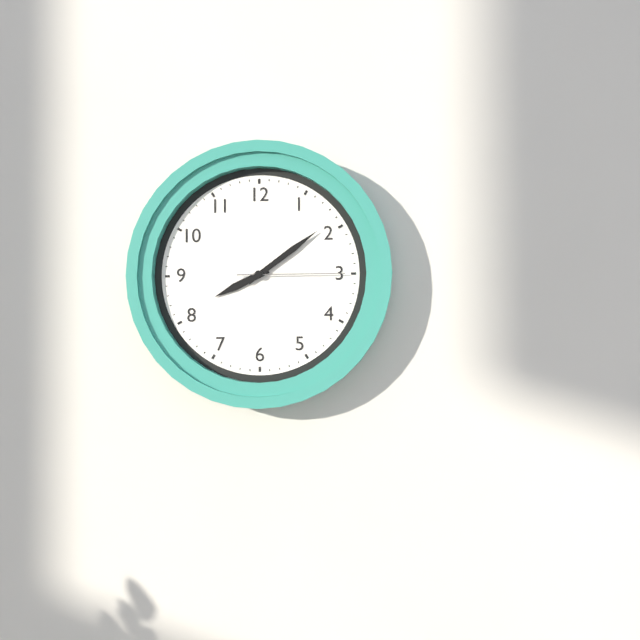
8:09:15
